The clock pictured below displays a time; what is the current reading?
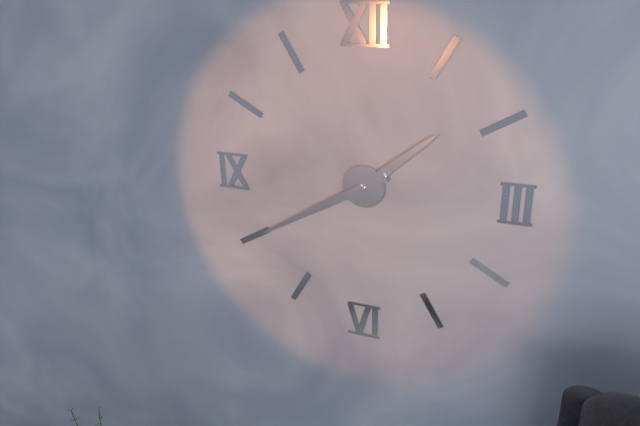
1:40
